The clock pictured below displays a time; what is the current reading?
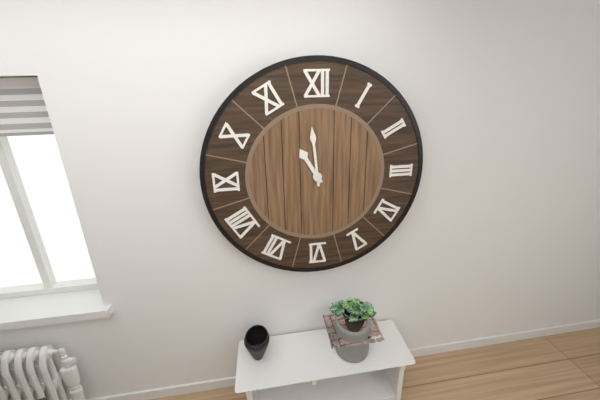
10:59
